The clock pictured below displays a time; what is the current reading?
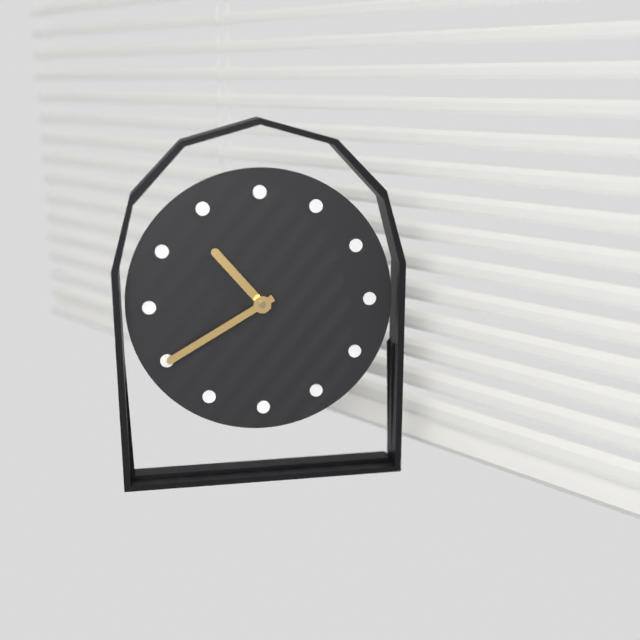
10:40
